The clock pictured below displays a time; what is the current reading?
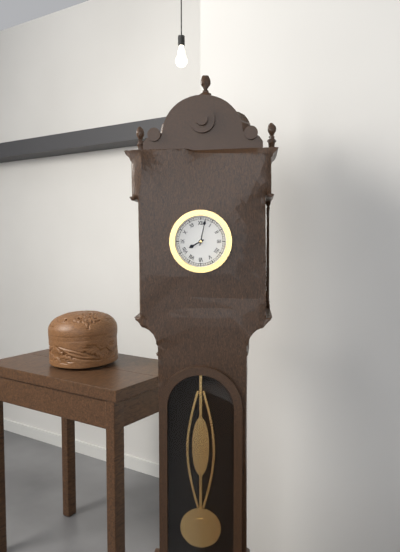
8:02
